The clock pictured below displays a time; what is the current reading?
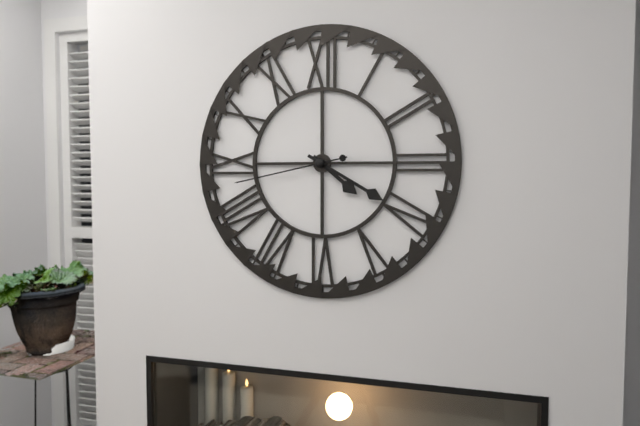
4:20:43
